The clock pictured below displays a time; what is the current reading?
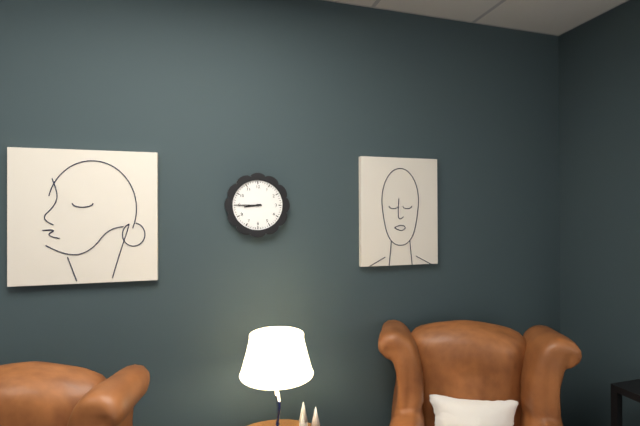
8:45
